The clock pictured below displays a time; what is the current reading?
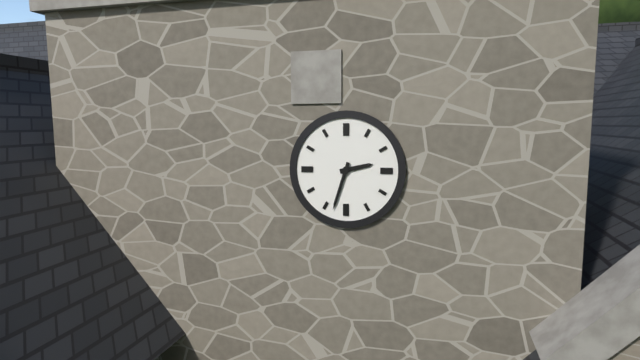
2:33
